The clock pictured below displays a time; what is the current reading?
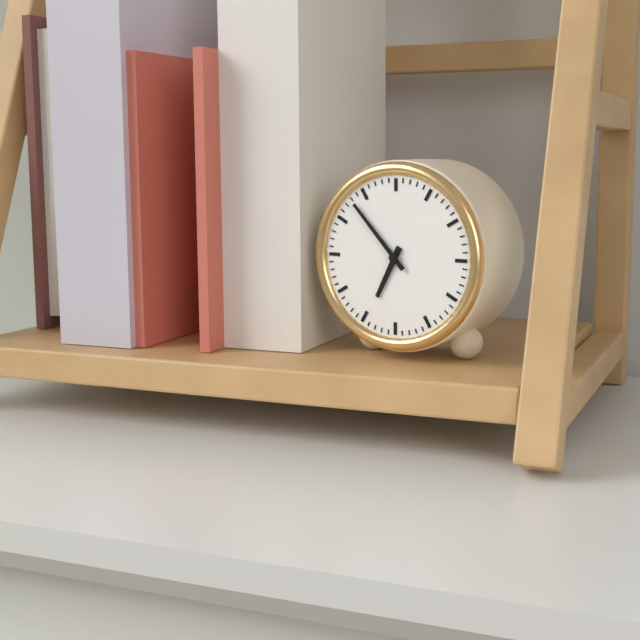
6:53
